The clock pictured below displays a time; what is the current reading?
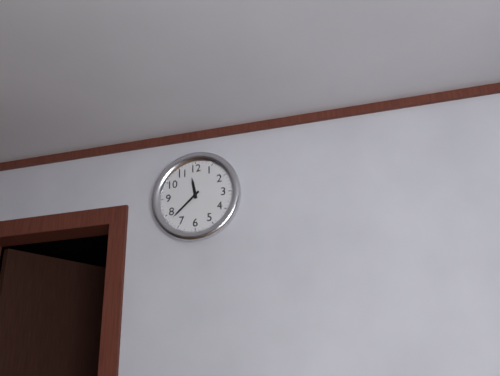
11:38
